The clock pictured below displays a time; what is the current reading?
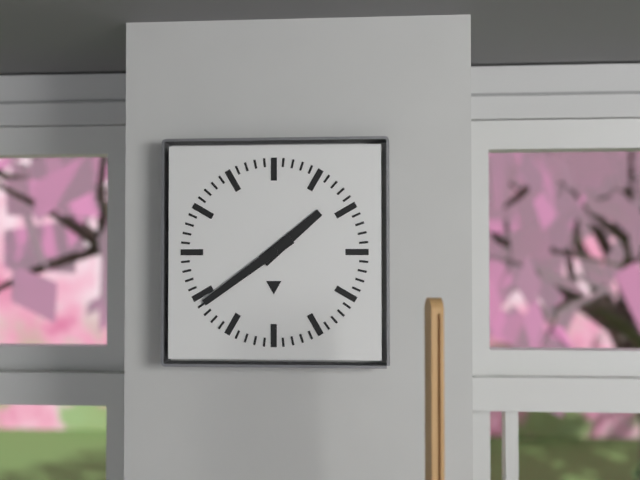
1:39
